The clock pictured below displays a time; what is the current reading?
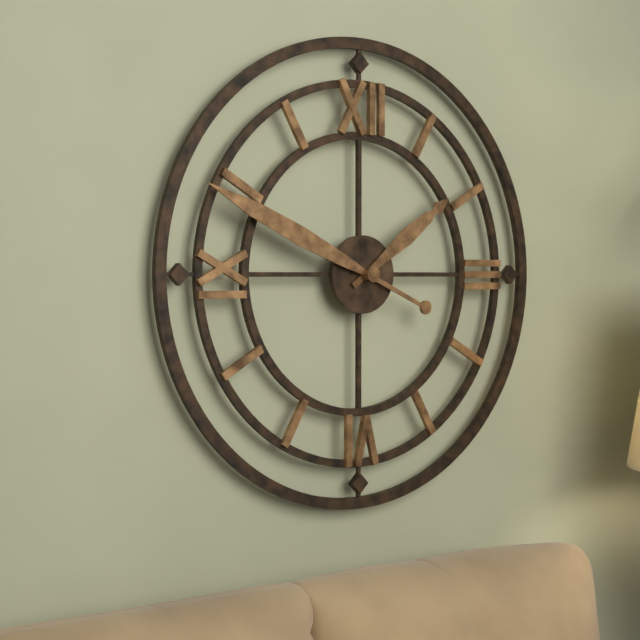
1:49
